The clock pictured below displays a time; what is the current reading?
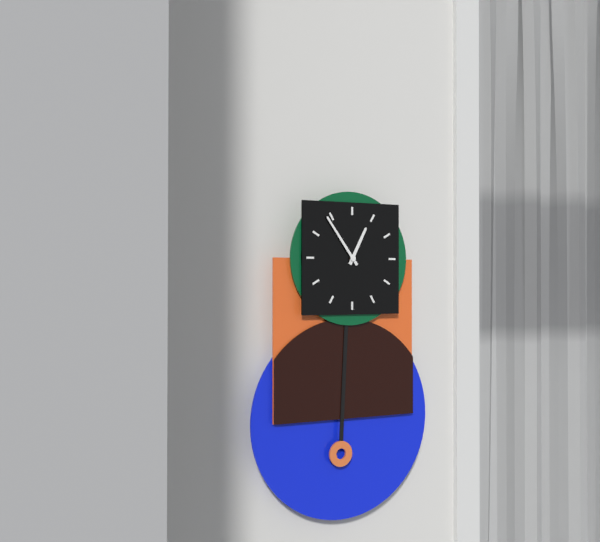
12:54
